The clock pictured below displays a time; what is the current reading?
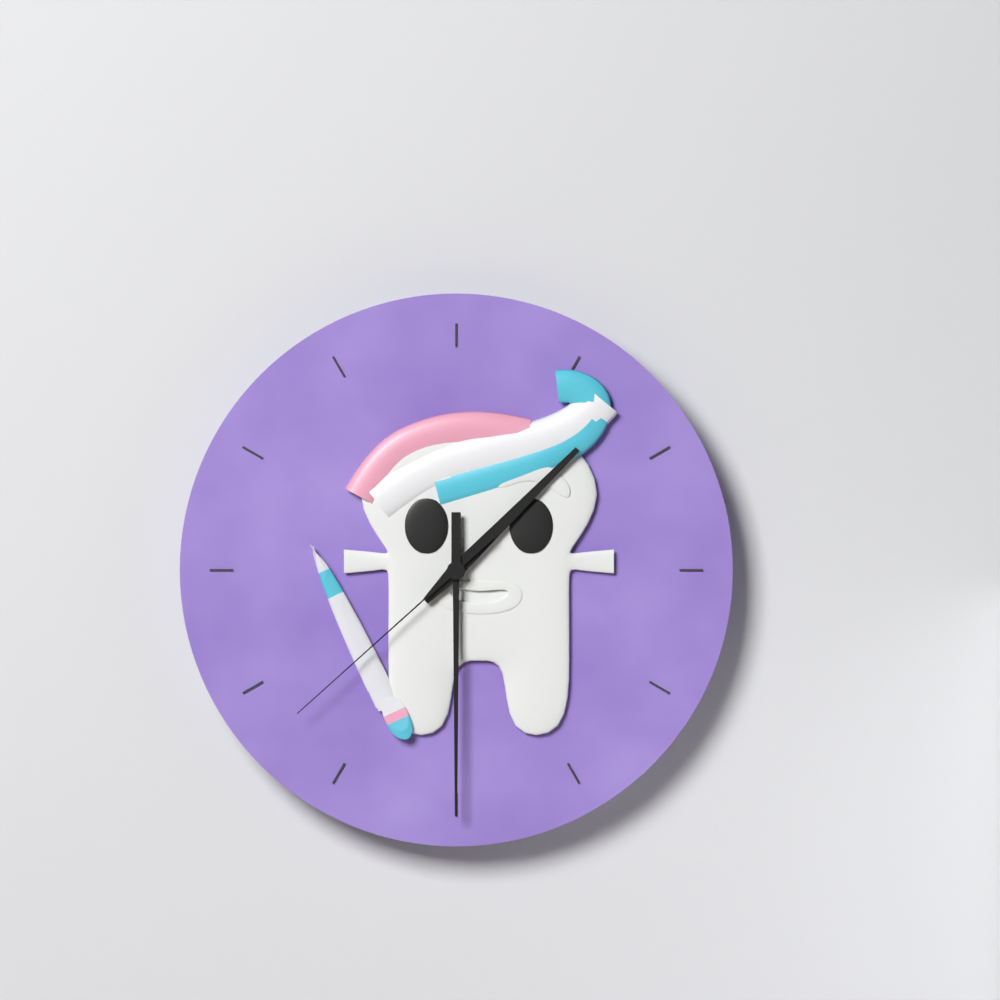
1:30:38
